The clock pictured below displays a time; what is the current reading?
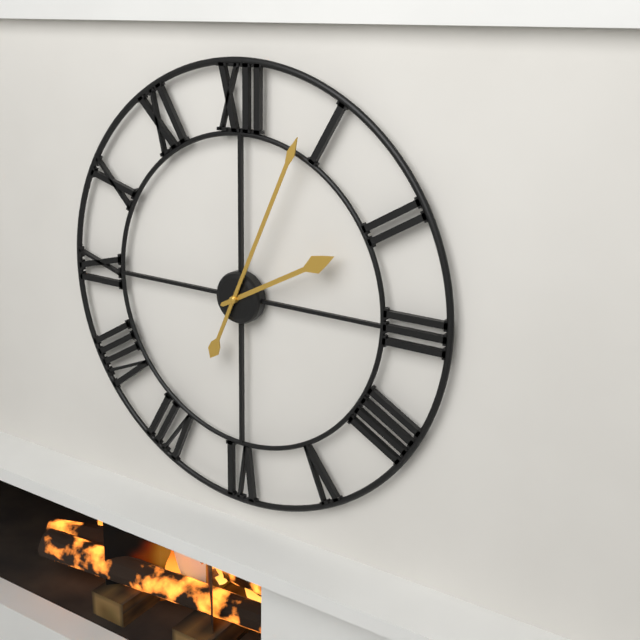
2:04
